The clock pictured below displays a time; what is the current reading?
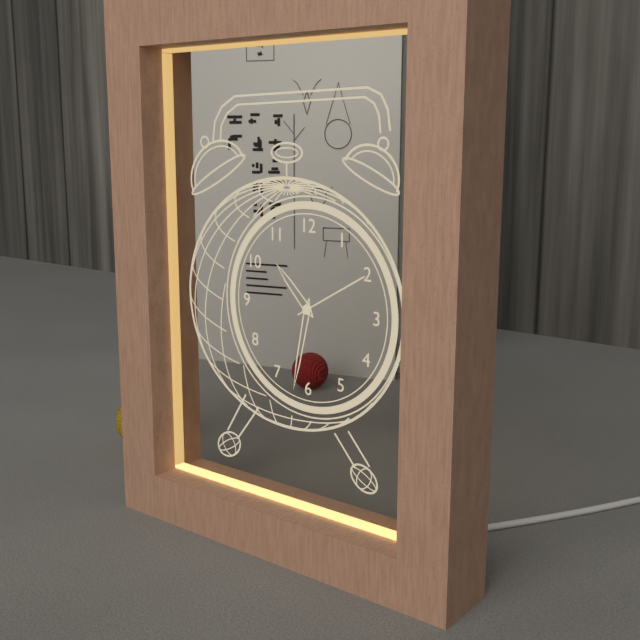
10:32:10
